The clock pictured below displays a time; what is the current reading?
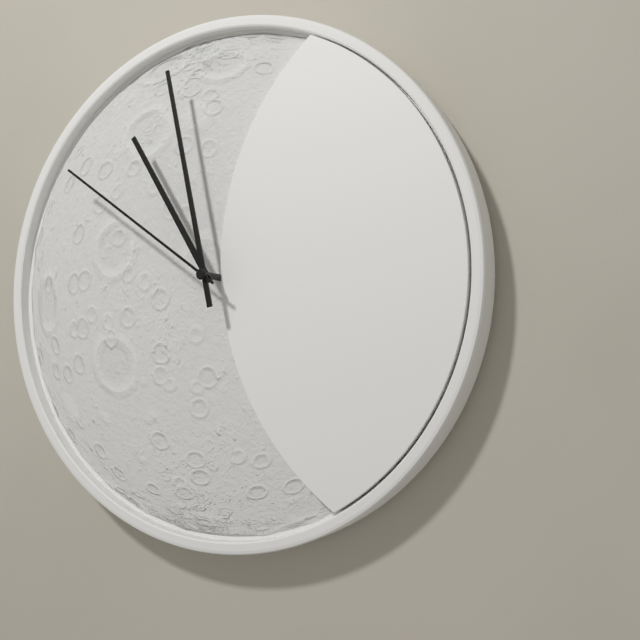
10:58:51
